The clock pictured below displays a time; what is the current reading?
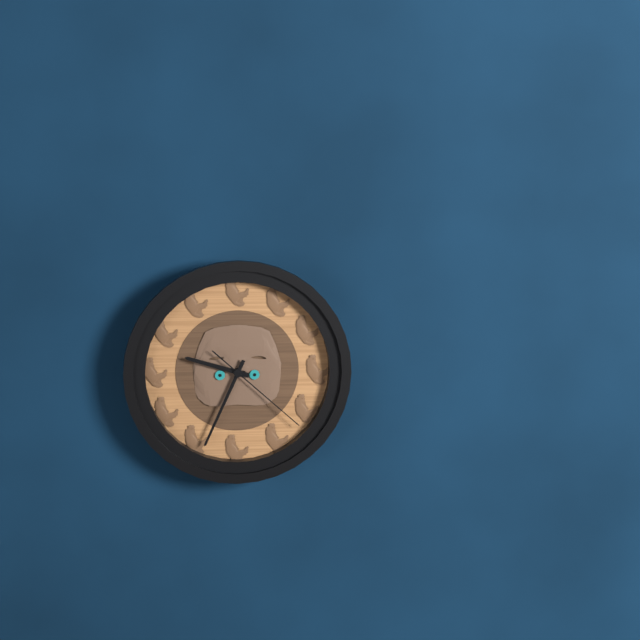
9:34:22
